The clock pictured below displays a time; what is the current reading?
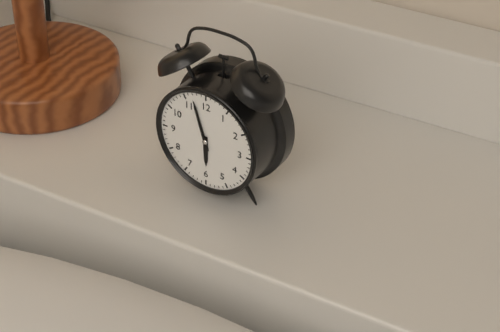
5:57
